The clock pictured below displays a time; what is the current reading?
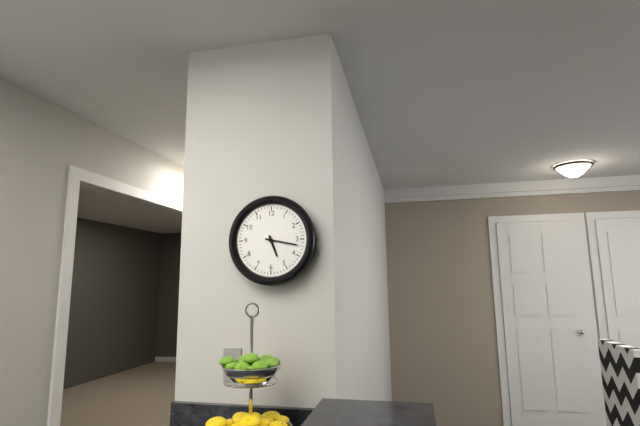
5:17
